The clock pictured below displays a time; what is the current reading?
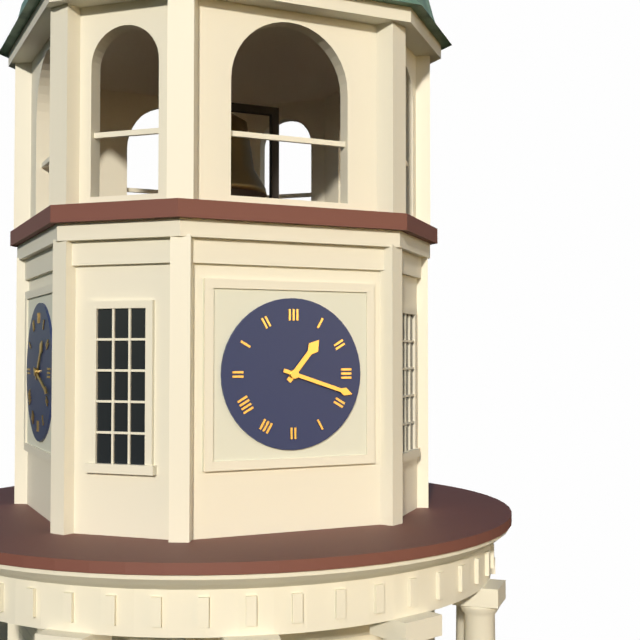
1:18
